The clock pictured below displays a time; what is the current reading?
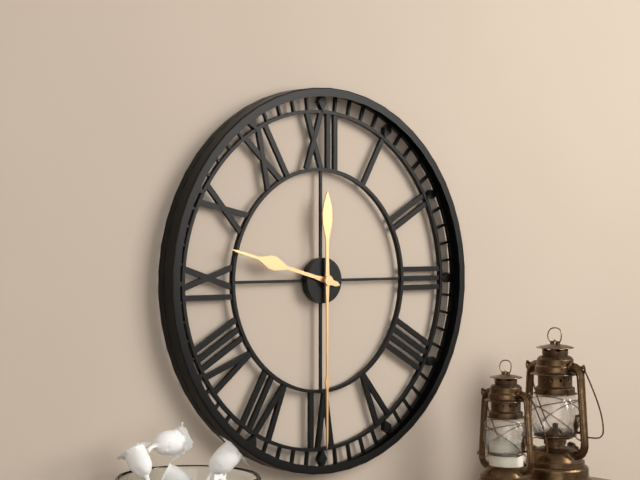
9:30
